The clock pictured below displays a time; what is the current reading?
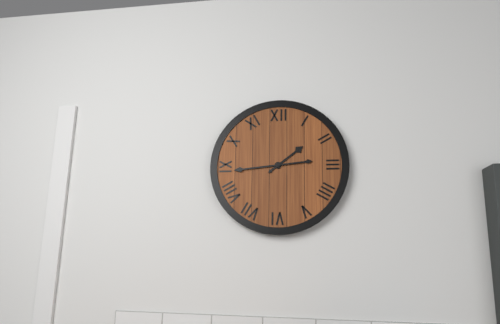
1:44
